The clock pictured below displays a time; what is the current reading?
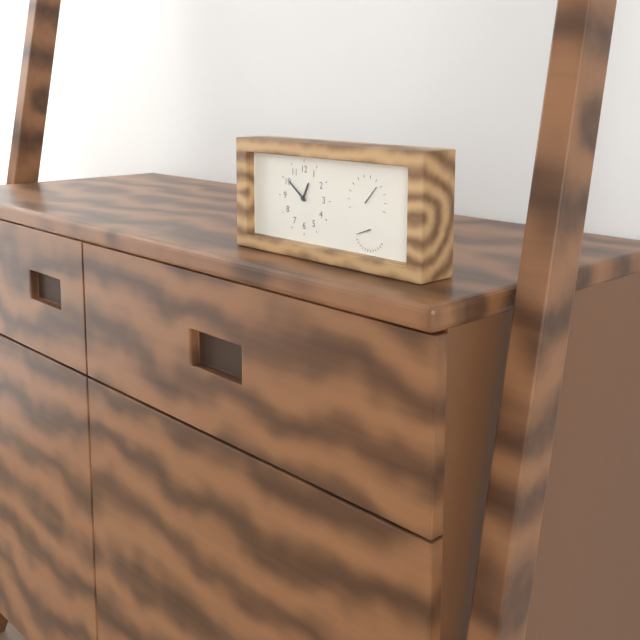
12:51
